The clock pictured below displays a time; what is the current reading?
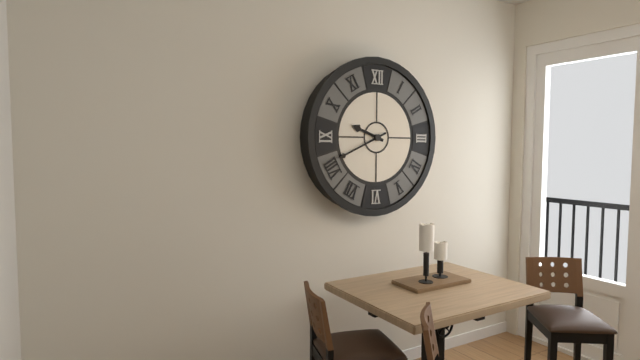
9:41
